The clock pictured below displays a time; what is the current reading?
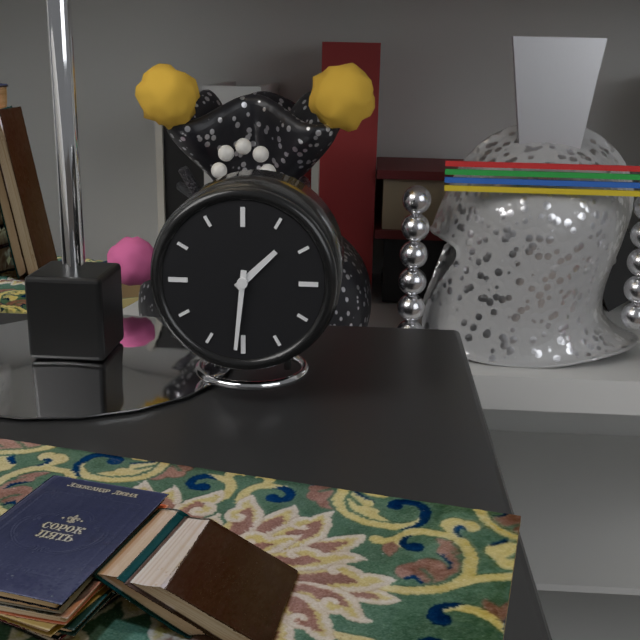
1:31
